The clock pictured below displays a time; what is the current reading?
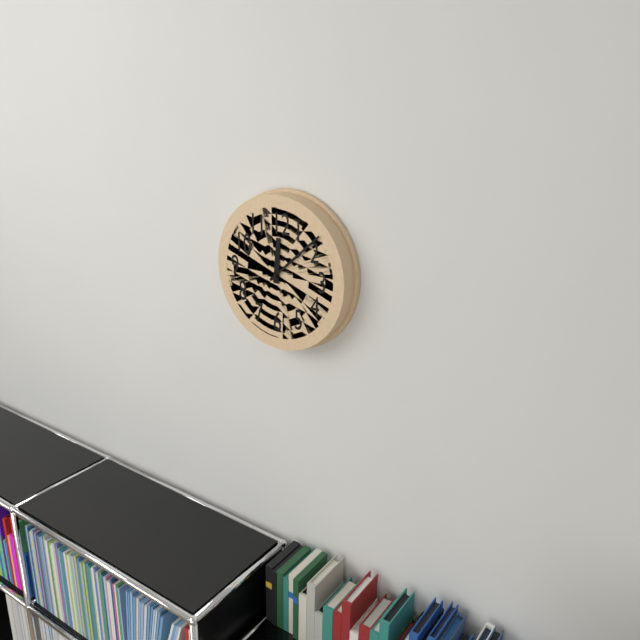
12:08
